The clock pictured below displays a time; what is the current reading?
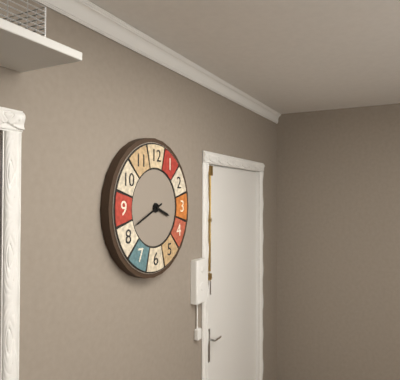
3:41
